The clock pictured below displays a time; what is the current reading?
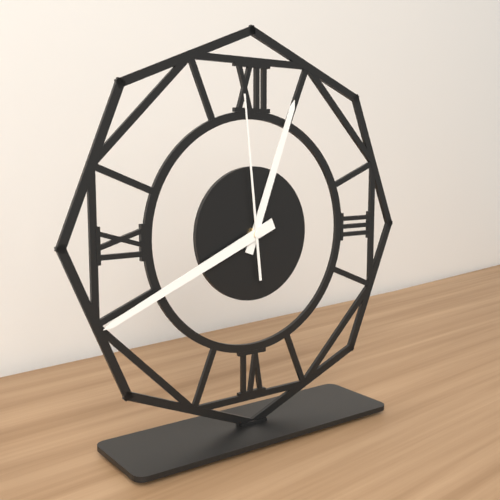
12:41:59
